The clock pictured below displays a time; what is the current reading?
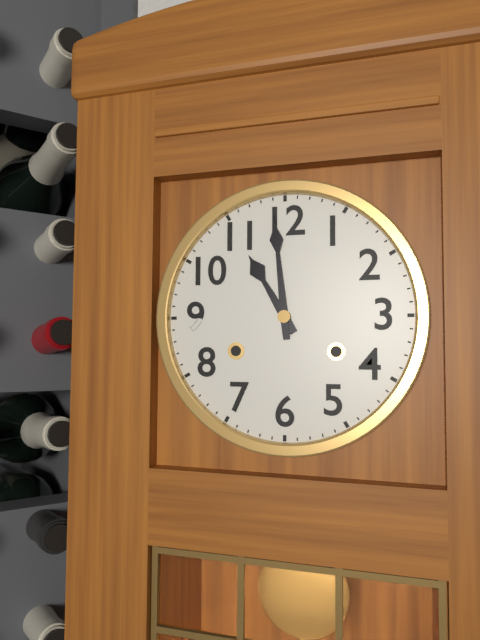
10:59
